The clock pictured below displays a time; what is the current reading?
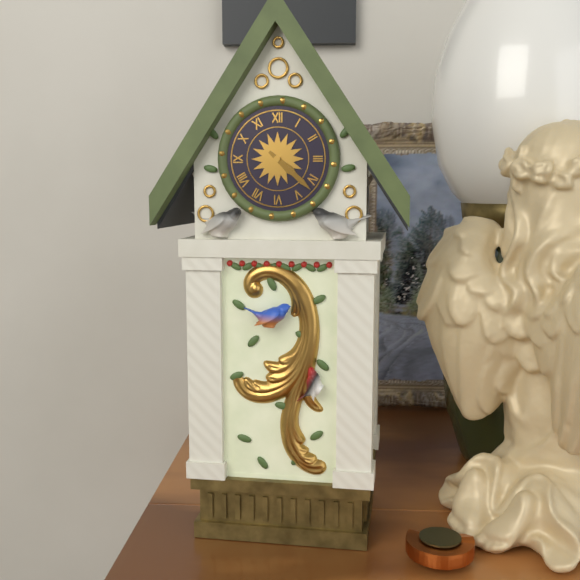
4:22
